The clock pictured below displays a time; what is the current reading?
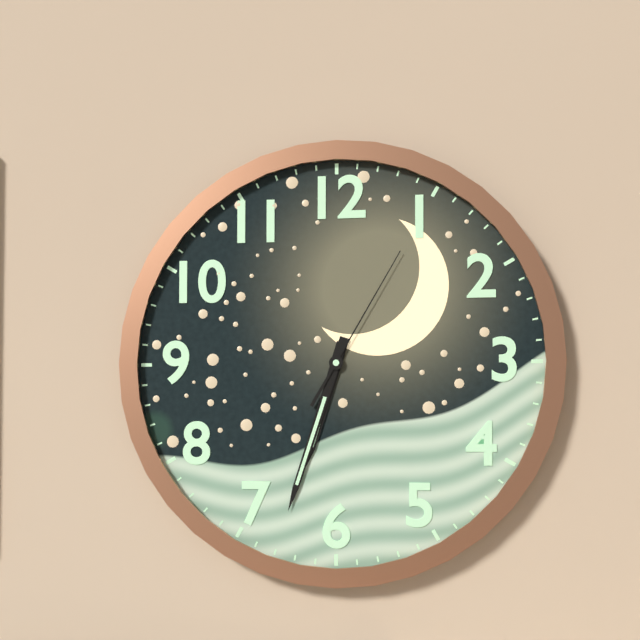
6:33:05
